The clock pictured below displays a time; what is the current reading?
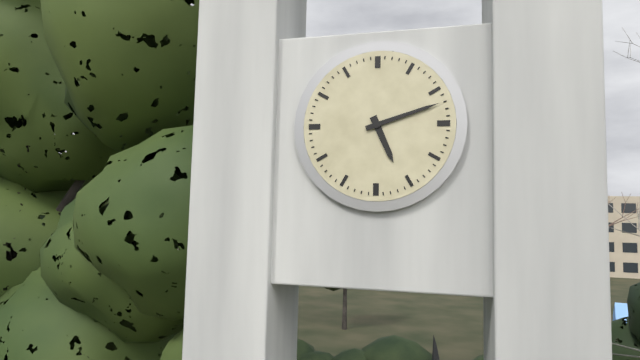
5:12
